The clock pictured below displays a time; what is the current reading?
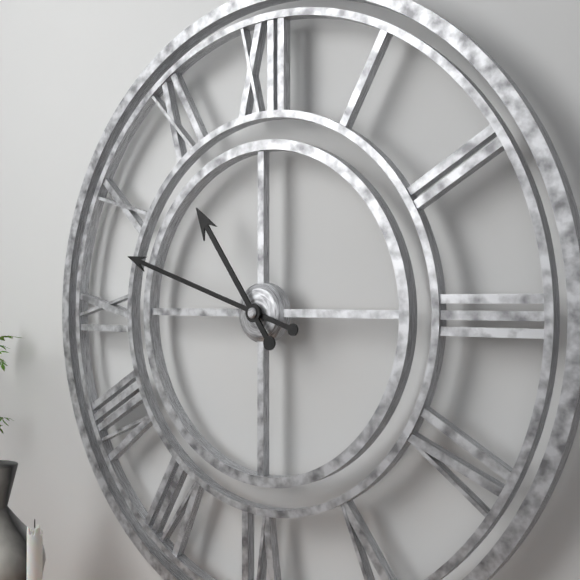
10:48
